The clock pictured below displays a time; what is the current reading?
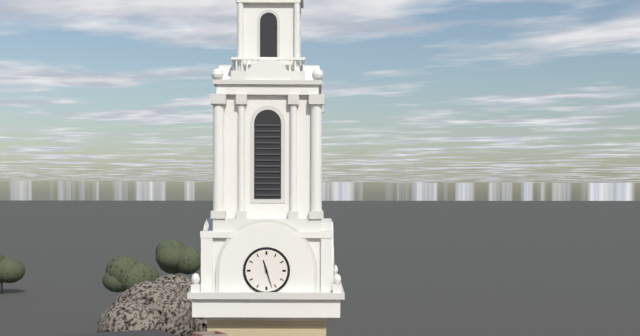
11:27
